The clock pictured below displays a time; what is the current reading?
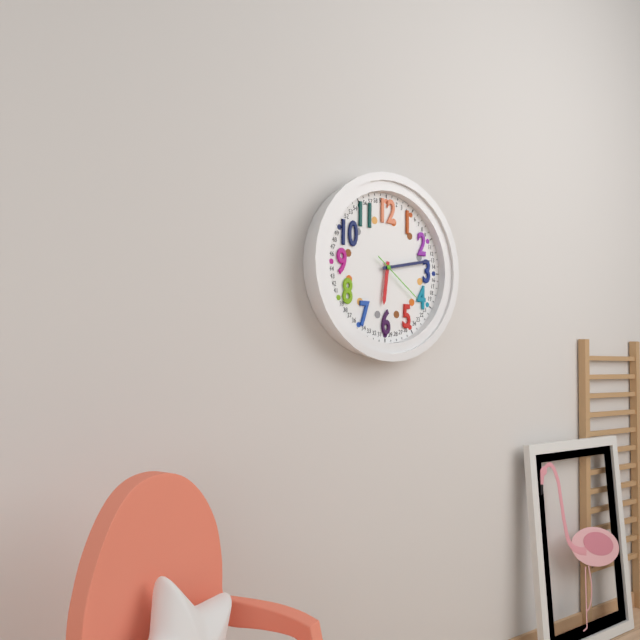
6:13:21
